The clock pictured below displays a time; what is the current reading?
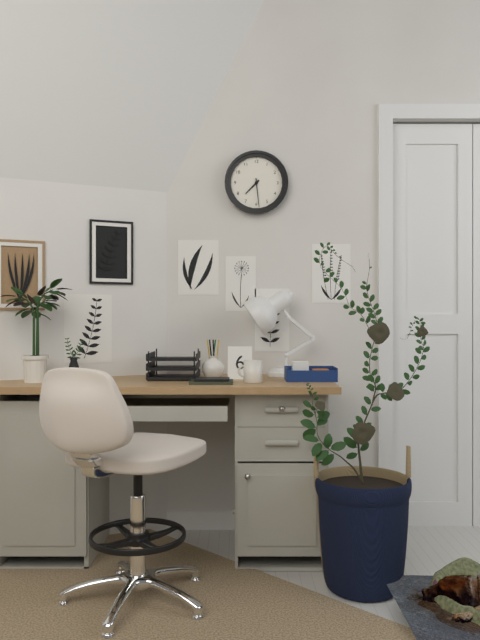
7:29
